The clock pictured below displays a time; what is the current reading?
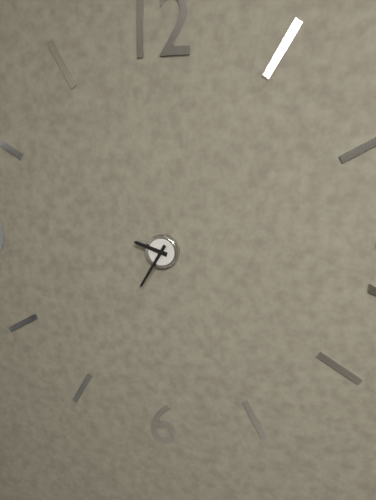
9:35
